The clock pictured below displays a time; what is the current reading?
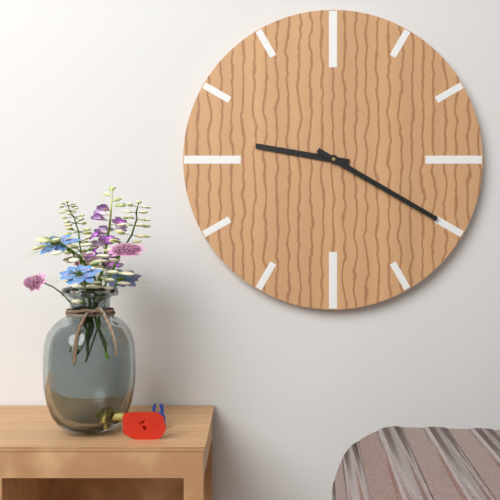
9:20
